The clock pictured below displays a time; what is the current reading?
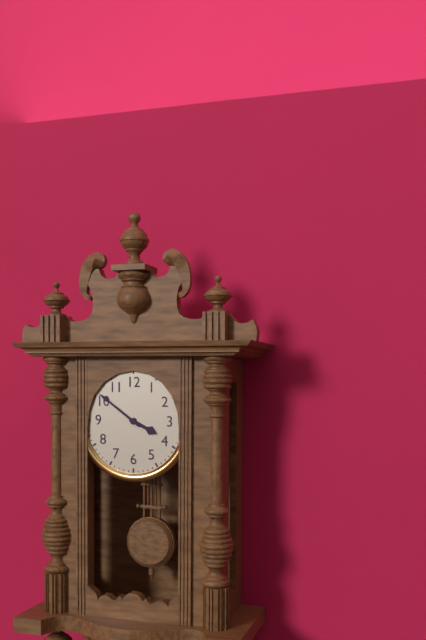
3:51
